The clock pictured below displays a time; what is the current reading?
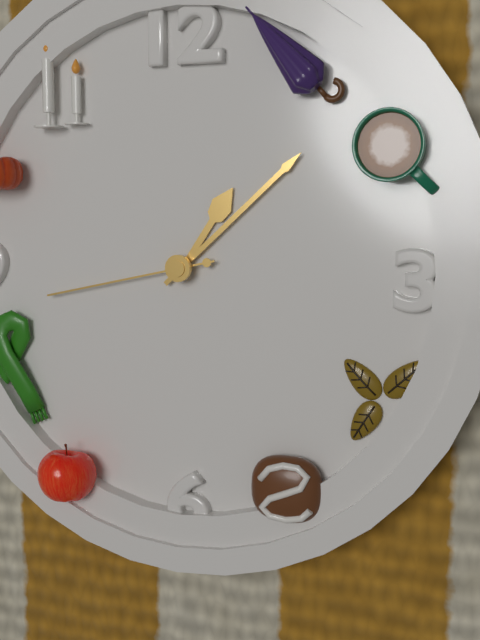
1:08:43
